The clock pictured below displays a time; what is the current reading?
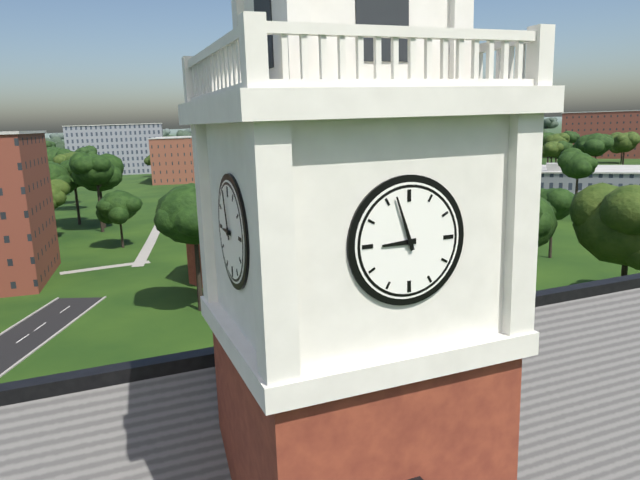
8:57
